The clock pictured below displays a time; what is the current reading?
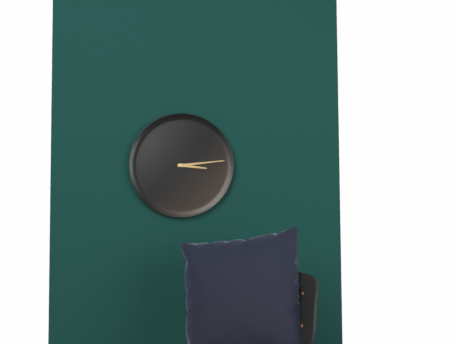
3:14
